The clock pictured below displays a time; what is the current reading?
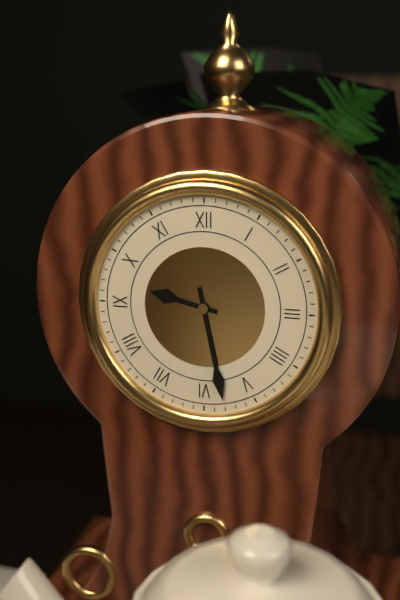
9:28
